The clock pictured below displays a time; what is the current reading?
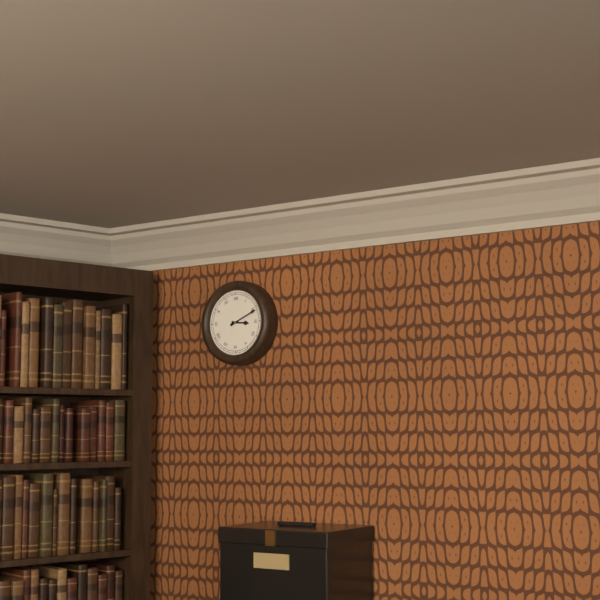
3:11
